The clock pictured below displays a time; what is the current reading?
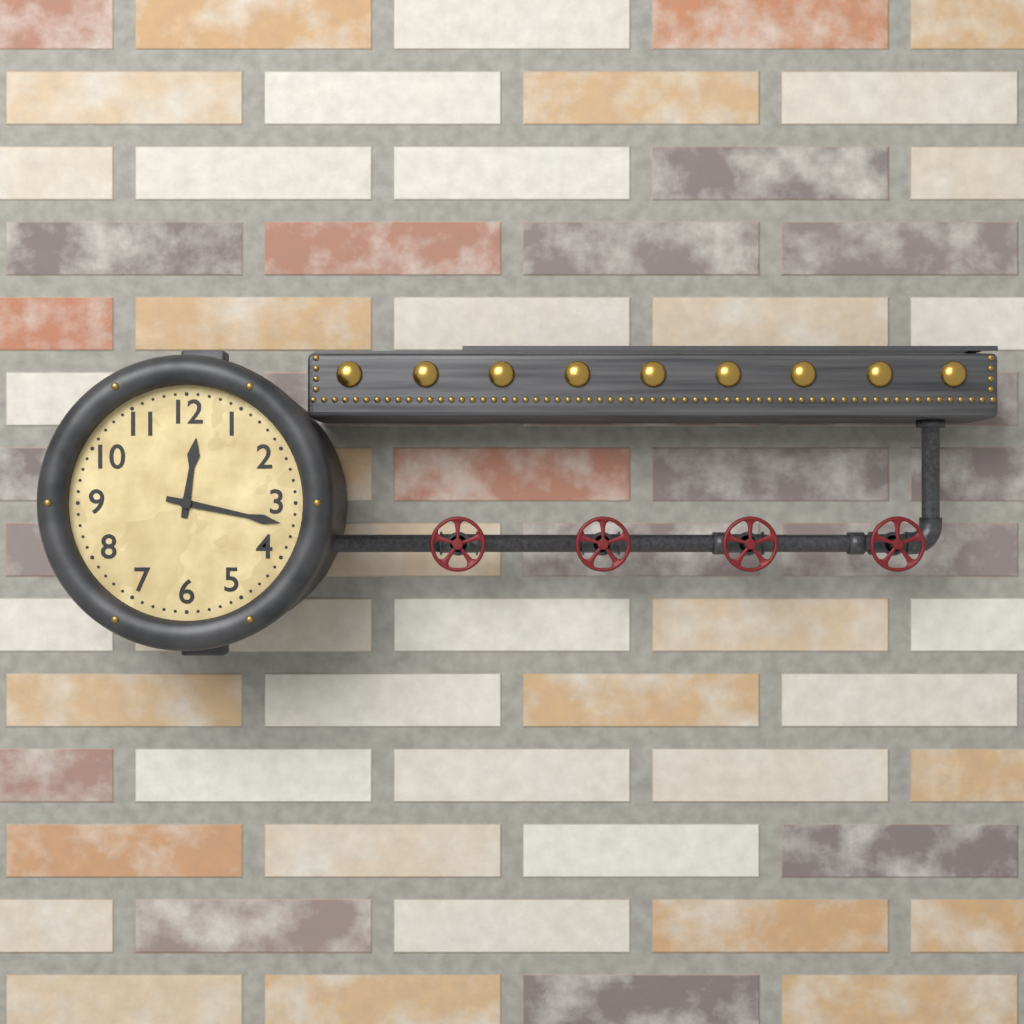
12:17
